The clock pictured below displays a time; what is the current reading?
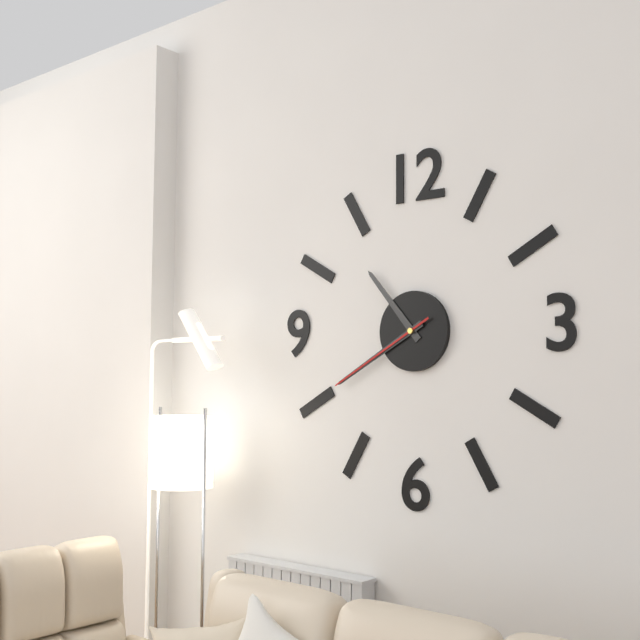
10:40:40
